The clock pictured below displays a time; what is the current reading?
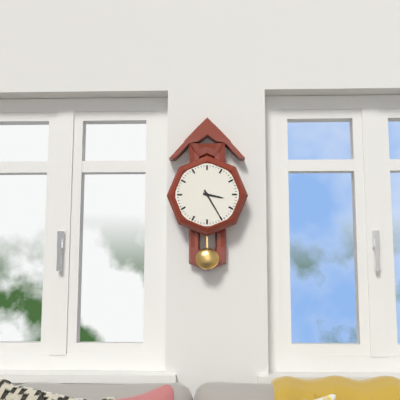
3:25
